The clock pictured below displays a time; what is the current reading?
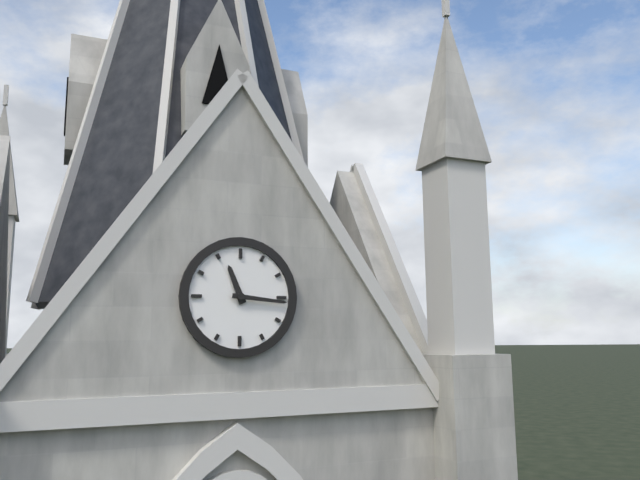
11:16
